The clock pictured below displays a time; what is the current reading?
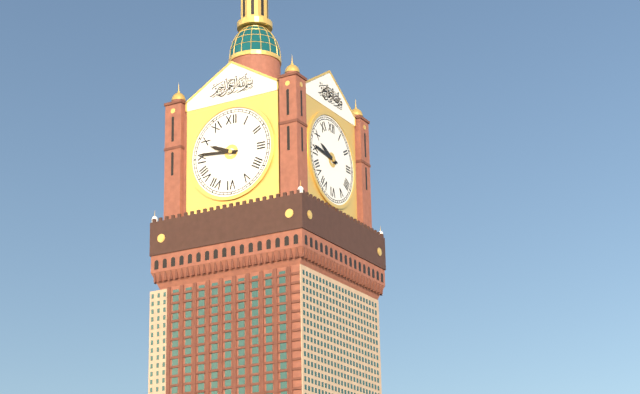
9:46
